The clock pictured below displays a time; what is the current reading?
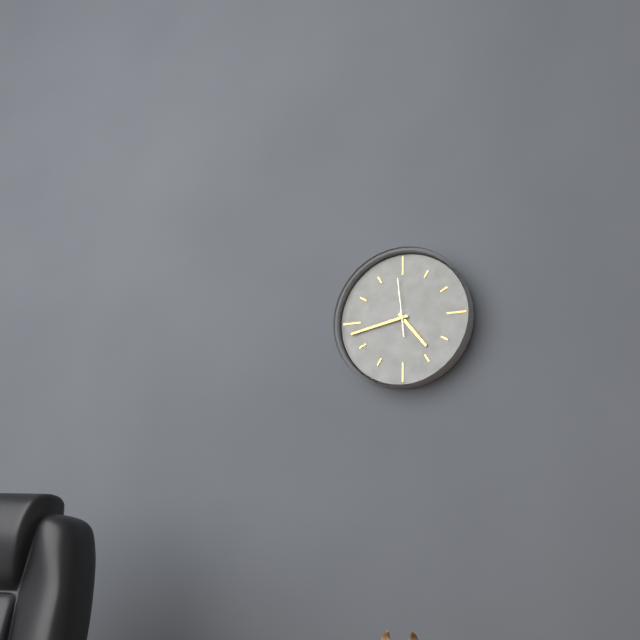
4:43
